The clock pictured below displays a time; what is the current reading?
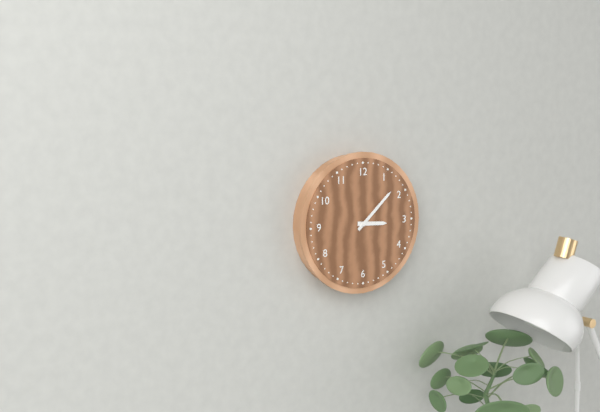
3:08
